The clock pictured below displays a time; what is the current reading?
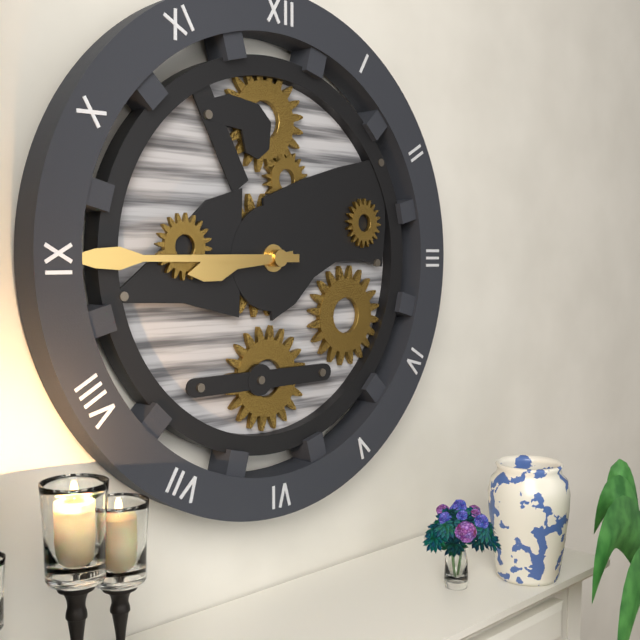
8:45
